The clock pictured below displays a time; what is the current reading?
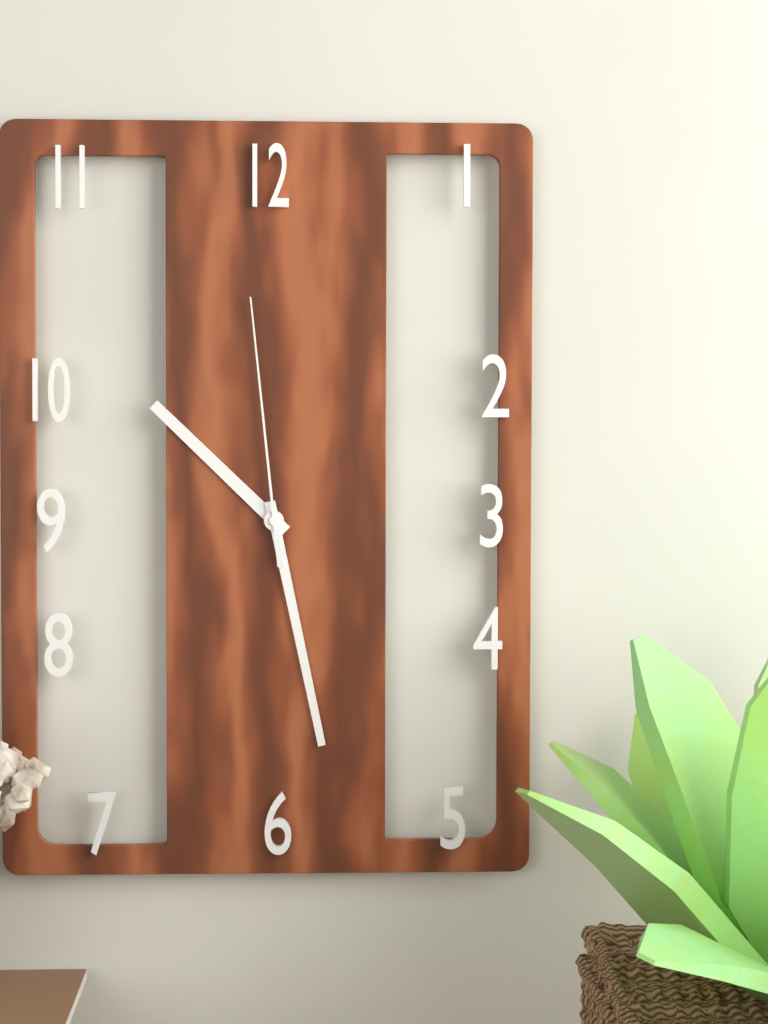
10:28:59
